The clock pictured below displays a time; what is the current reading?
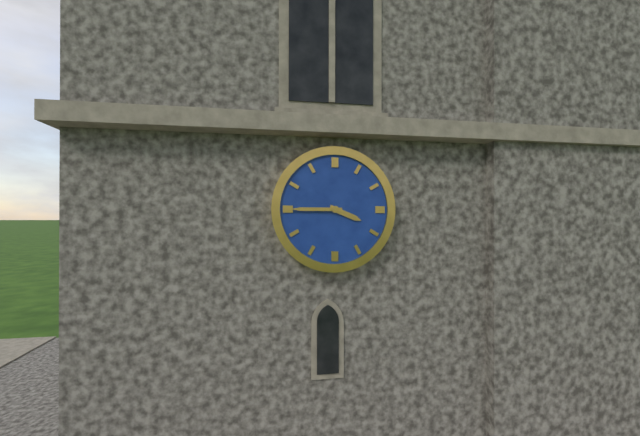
3:45
